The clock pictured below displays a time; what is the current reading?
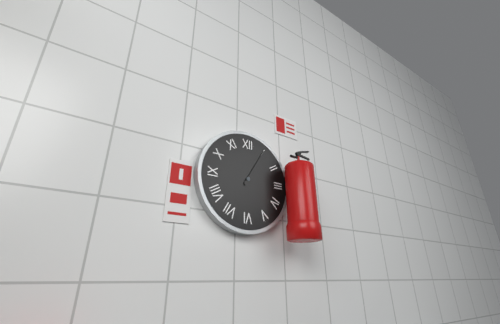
1:05
